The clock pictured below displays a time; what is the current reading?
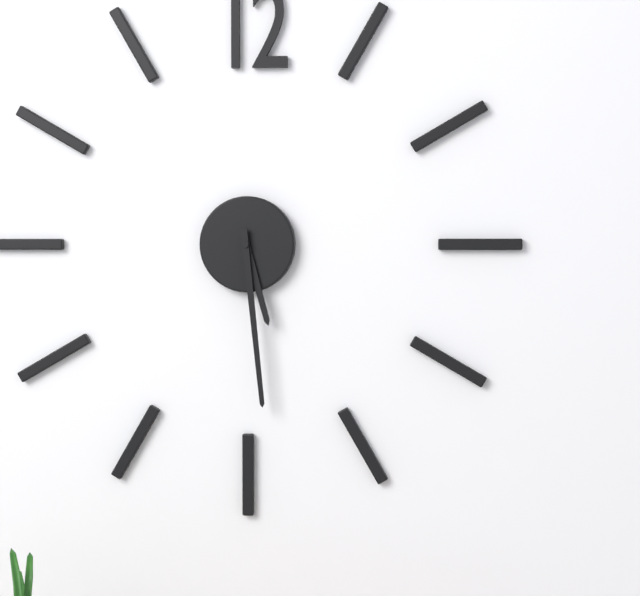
5:29
